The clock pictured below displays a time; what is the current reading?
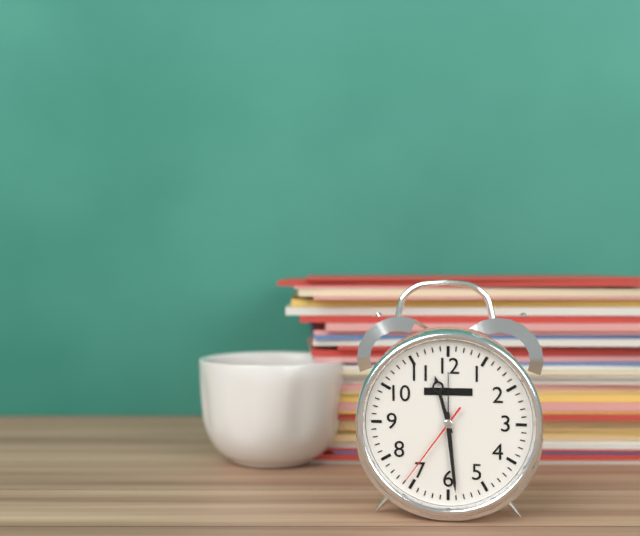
11:29:36
